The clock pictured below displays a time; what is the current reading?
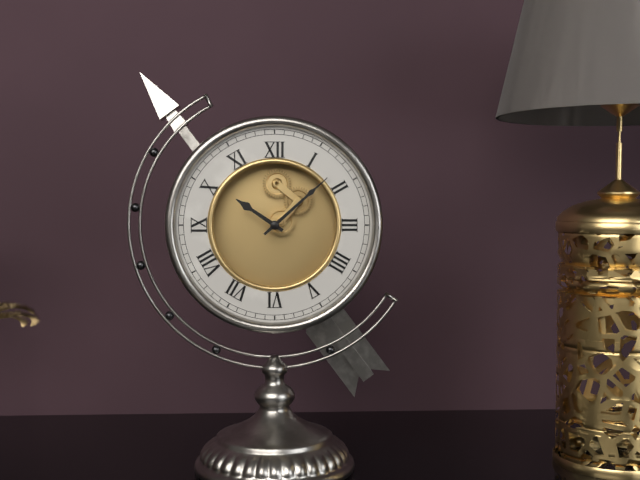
10:08
